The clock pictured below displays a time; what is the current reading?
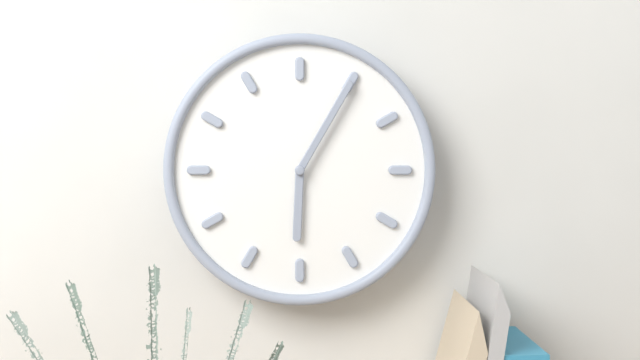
6:05
